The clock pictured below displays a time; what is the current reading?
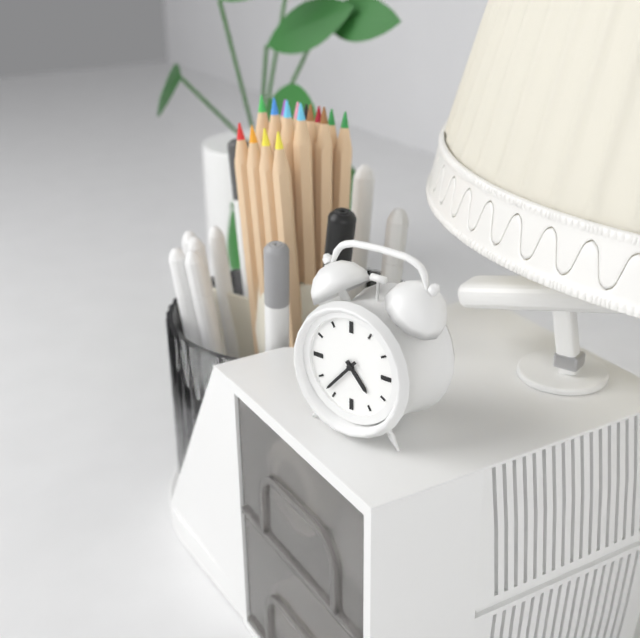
4:37
